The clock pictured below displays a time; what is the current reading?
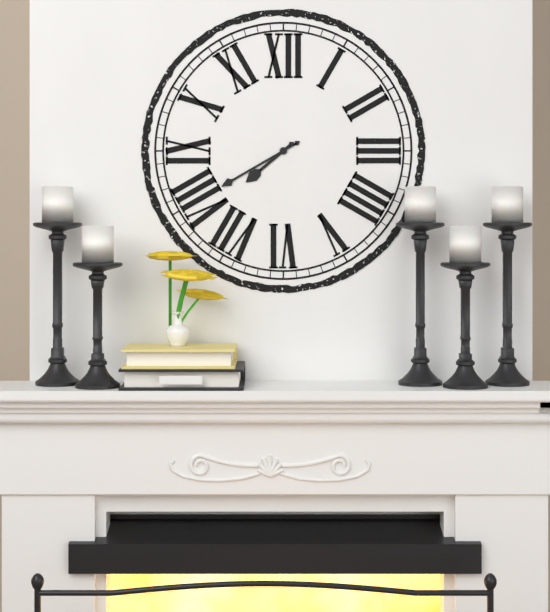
7:40
